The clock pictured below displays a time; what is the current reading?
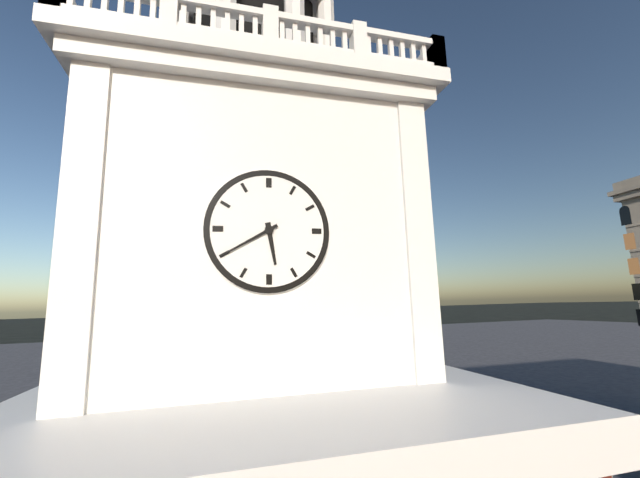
5:40
